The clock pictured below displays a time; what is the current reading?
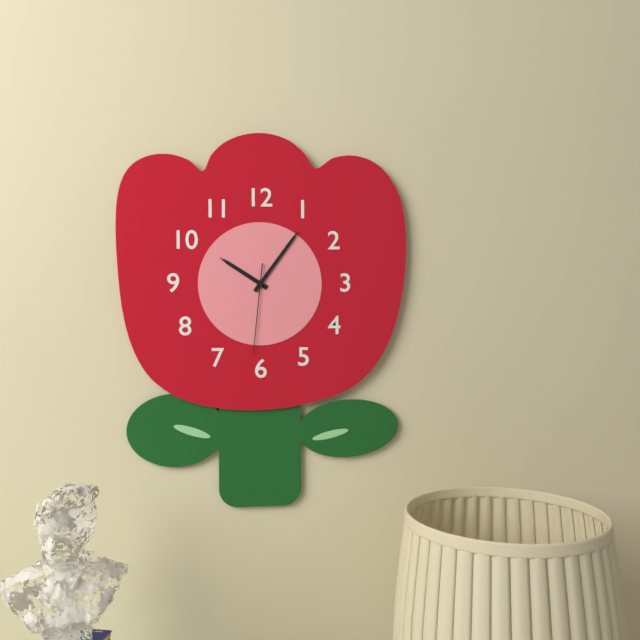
10:06:31
